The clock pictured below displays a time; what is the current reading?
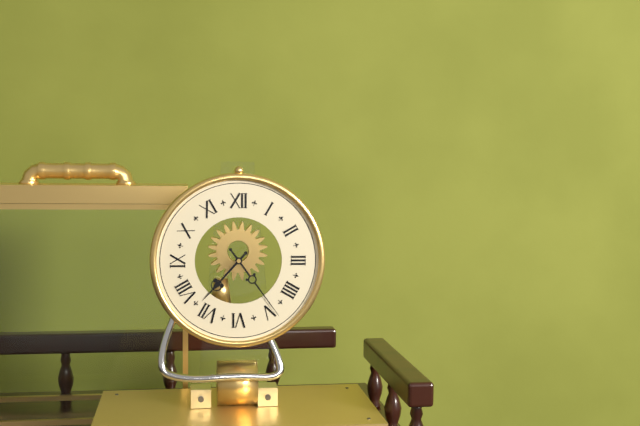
7:24
